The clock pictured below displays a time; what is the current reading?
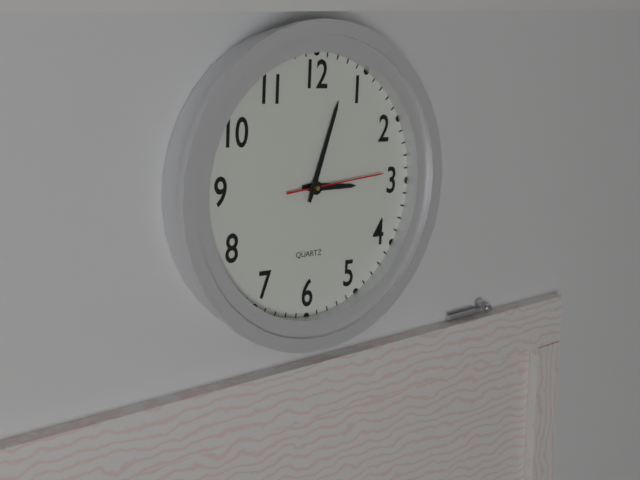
3:03:14
